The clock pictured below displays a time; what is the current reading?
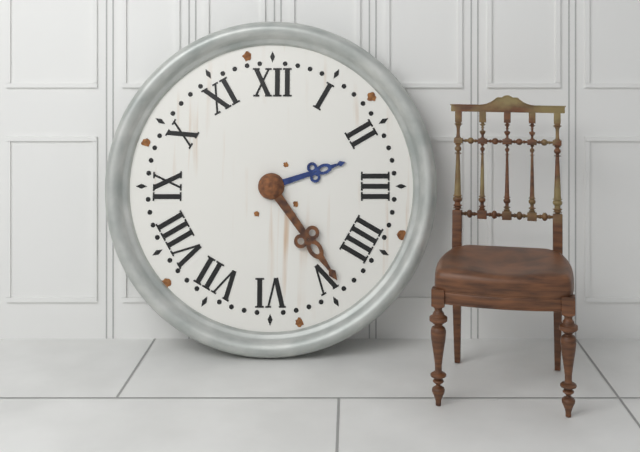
2:24
